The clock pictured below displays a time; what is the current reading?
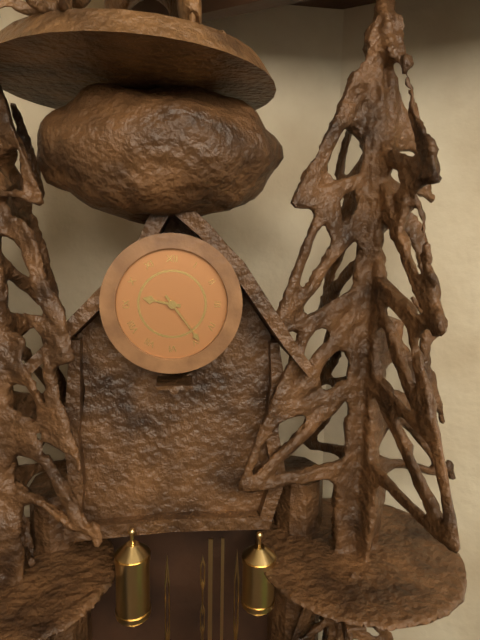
9:24
